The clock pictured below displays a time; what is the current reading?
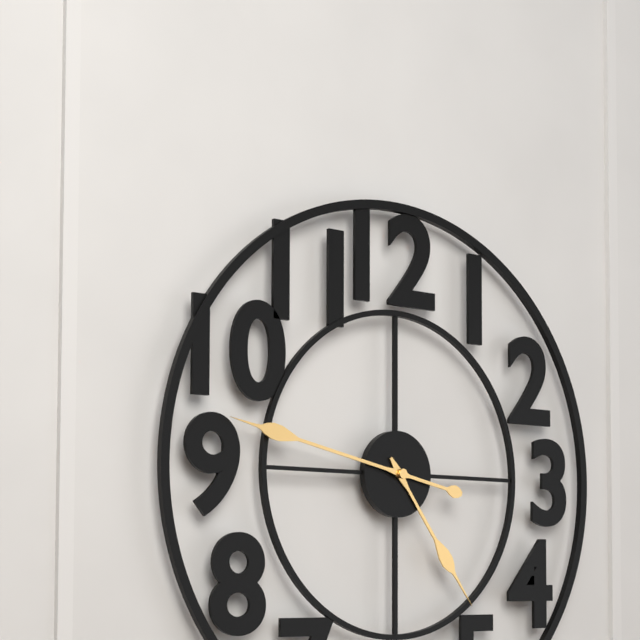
4:47
